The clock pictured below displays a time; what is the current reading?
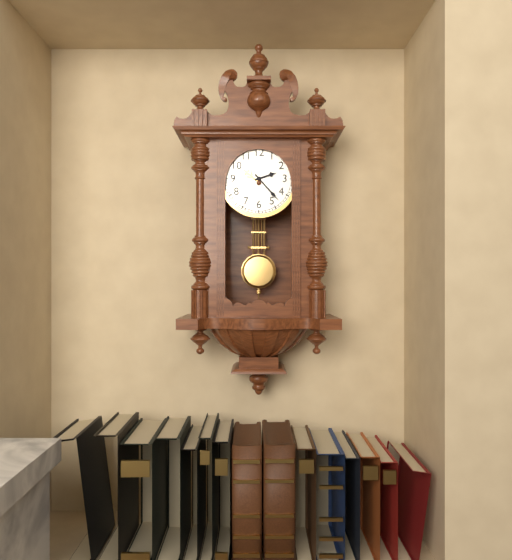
2:23
